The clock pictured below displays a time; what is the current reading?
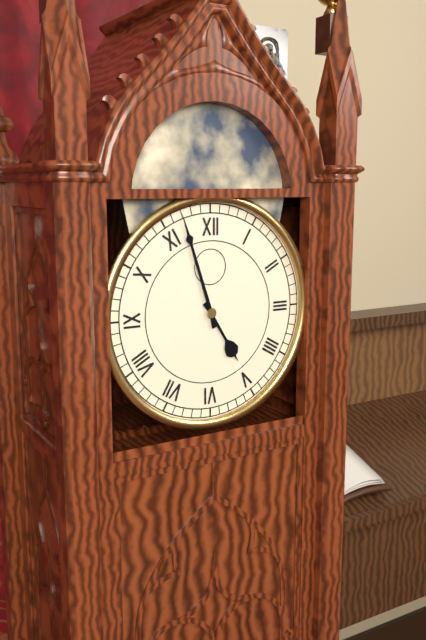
4:57
